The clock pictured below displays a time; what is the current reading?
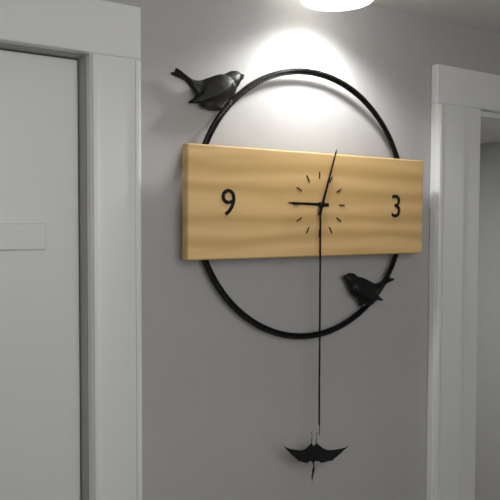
9:03
